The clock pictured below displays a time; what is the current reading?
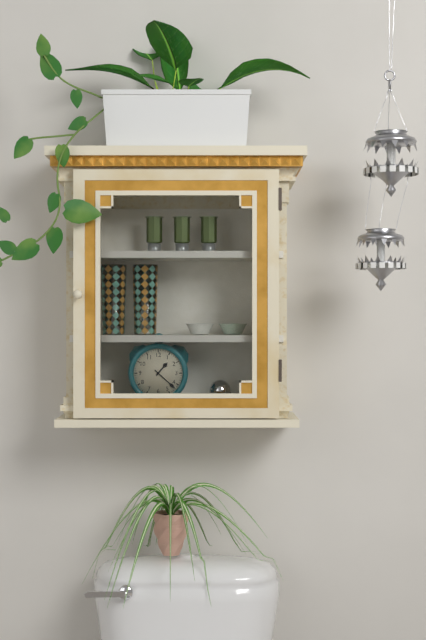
1:22
